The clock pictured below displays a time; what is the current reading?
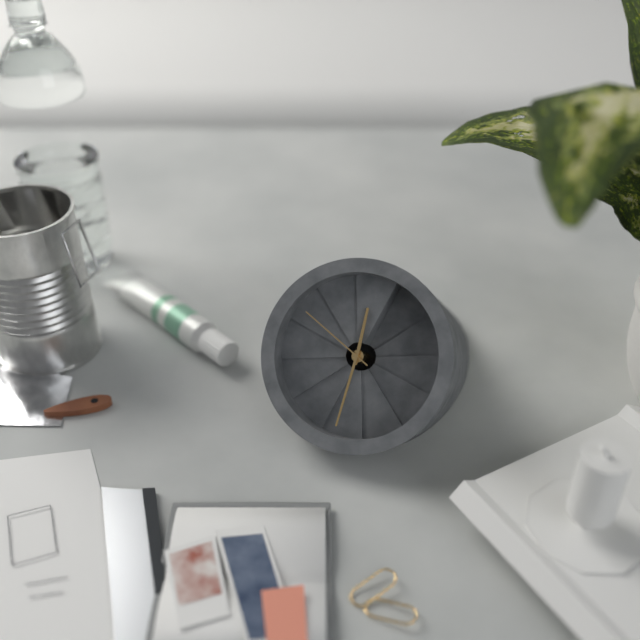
11:28:47
